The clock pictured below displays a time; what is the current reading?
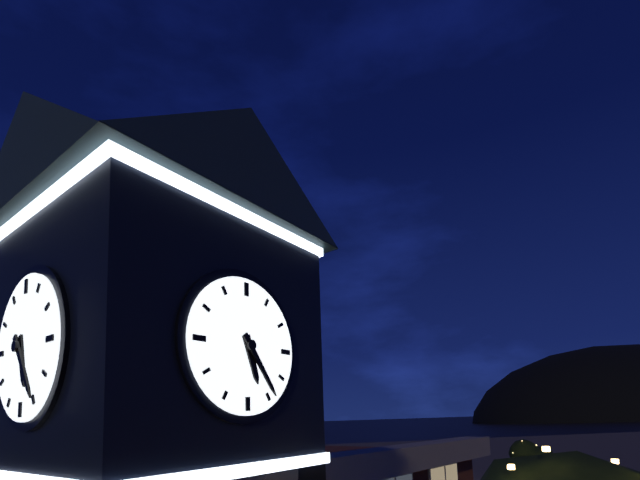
5:24
